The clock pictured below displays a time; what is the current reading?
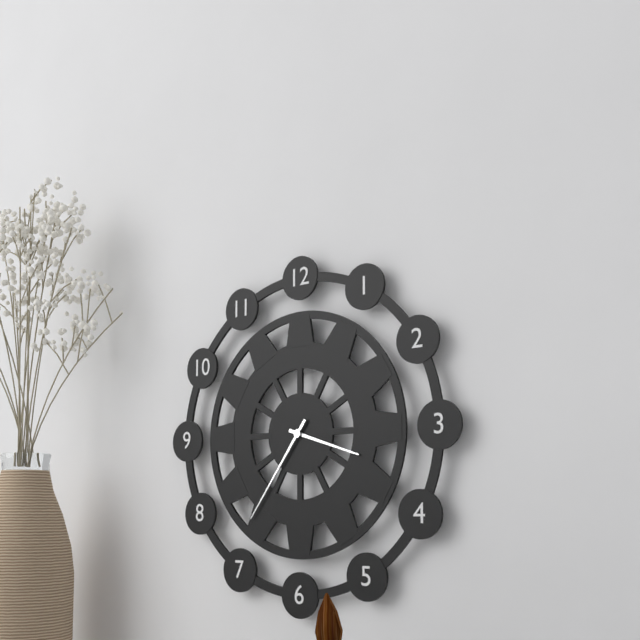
3:36
